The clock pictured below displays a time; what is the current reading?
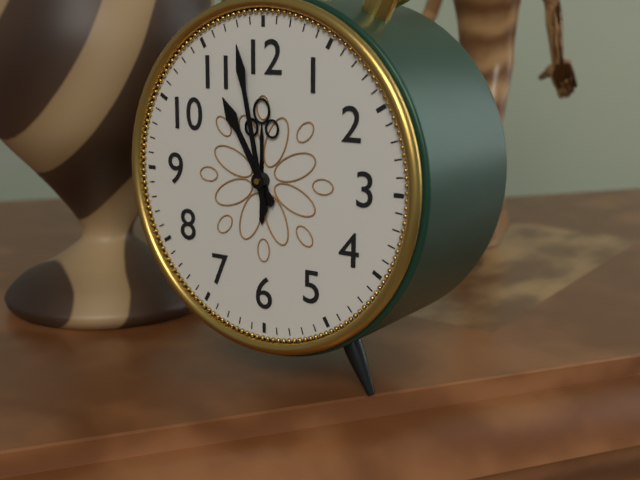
10:58
